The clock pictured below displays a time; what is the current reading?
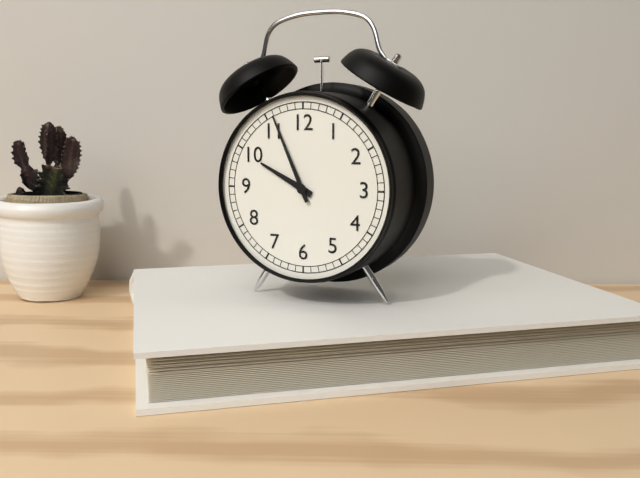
9:56
